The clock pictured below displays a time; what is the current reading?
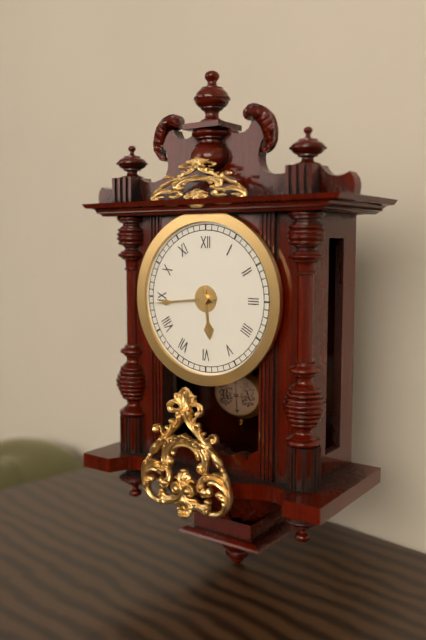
5:44
